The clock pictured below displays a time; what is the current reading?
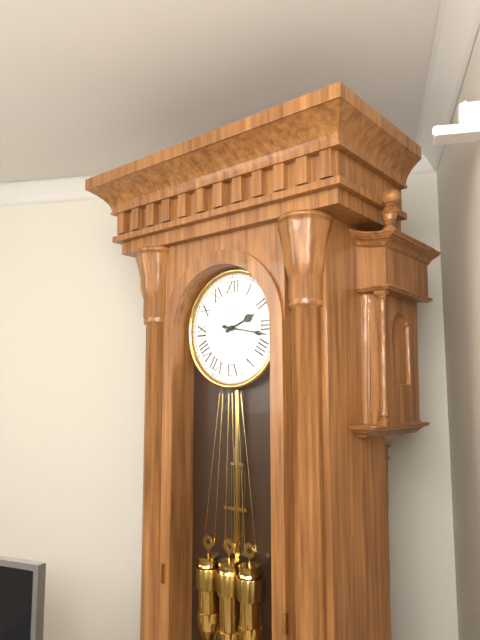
2:17
